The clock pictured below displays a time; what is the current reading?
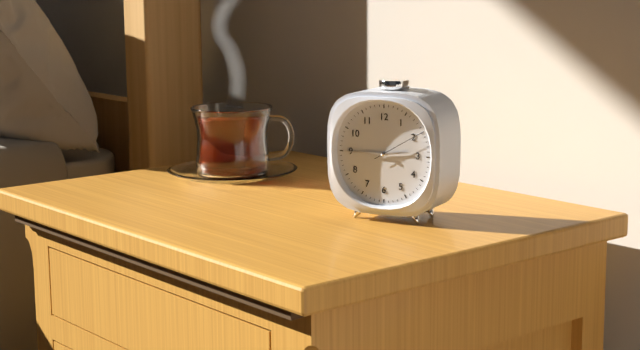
2:45:10
